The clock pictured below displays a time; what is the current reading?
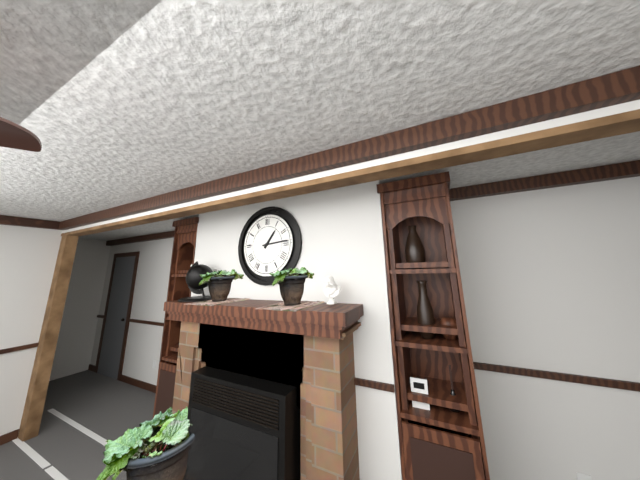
1:14
